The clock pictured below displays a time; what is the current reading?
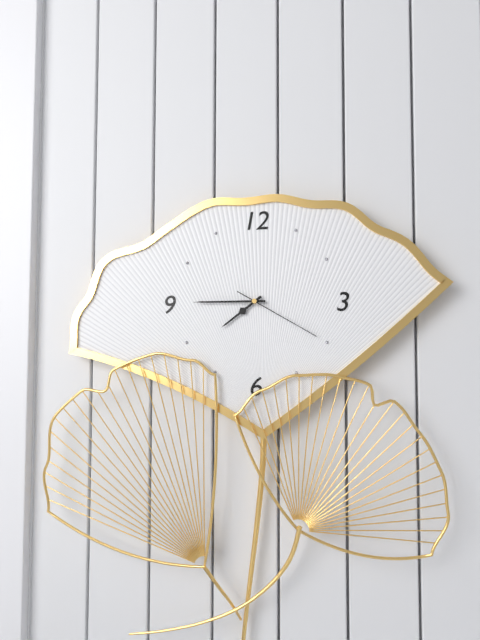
7:45:20
